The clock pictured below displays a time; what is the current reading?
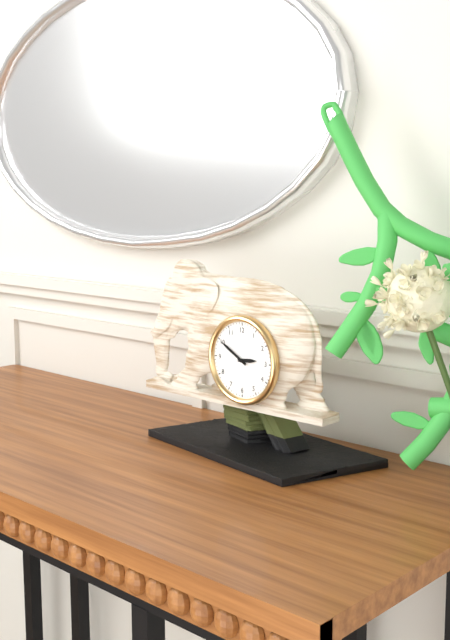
2:50
